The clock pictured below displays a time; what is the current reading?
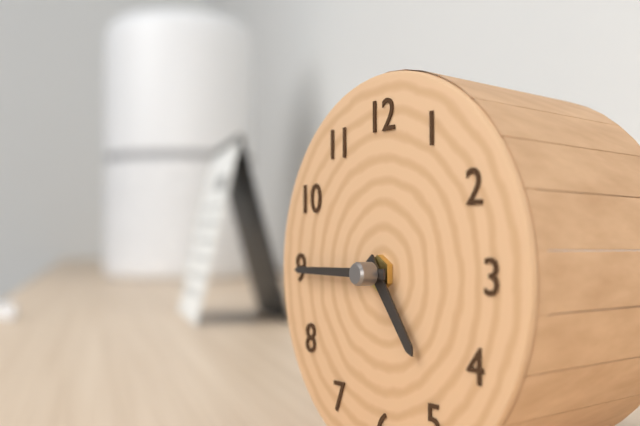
4:45
